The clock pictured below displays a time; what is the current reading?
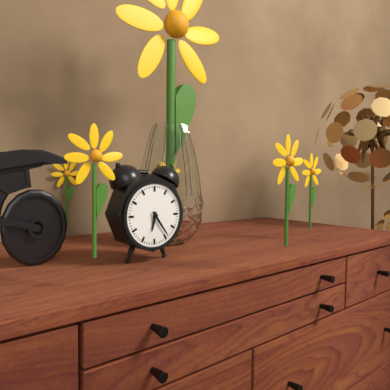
6:24
